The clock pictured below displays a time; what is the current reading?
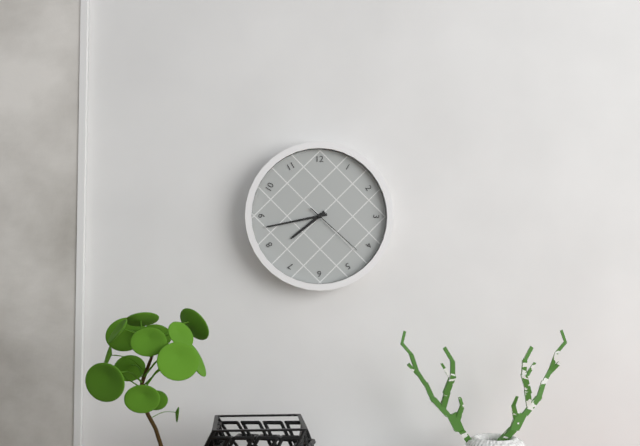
7:43:22
